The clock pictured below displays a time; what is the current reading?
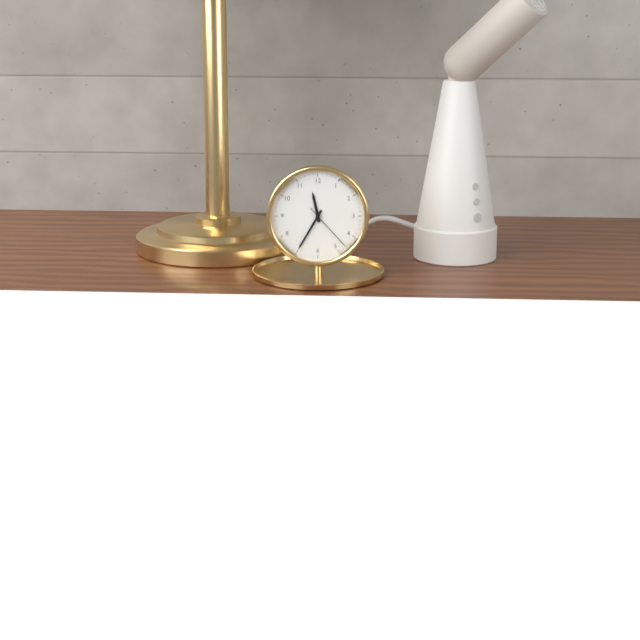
11:35:23
